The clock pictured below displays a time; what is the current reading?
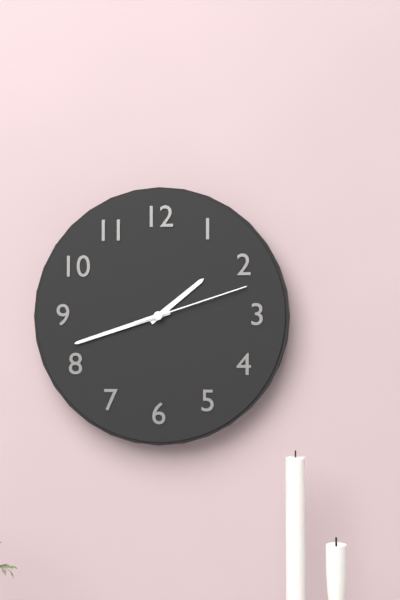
1:42:12
